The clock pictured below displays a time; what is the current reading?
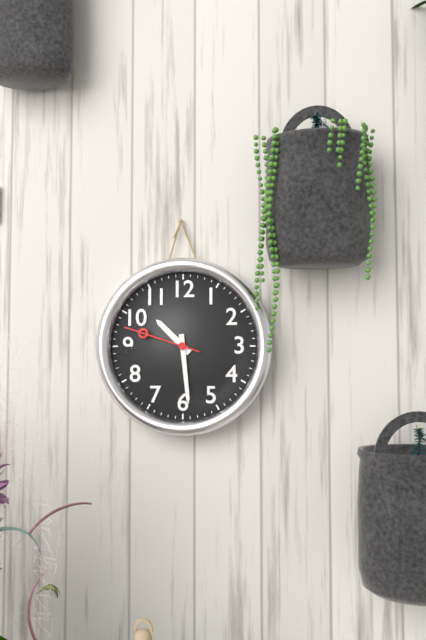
10:29:48
